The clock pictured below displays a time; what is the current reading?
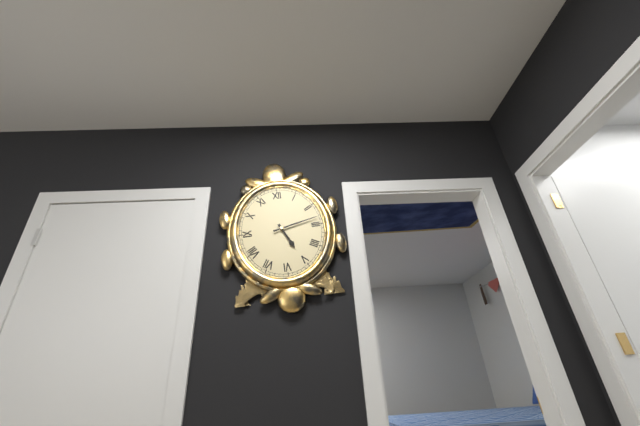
5:13
